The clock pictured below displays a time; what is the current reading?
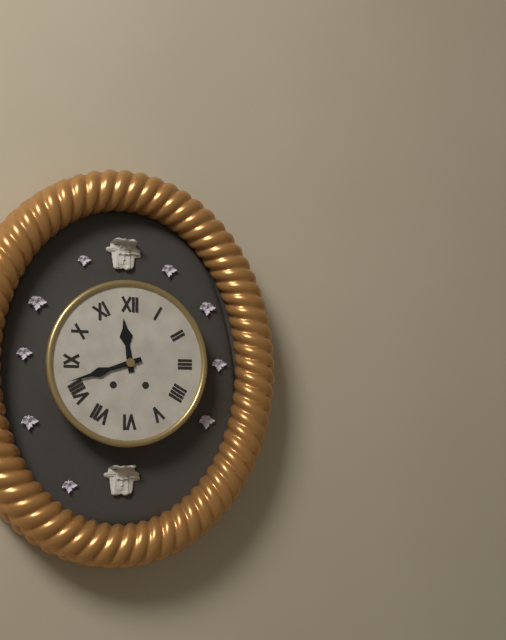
11:42
